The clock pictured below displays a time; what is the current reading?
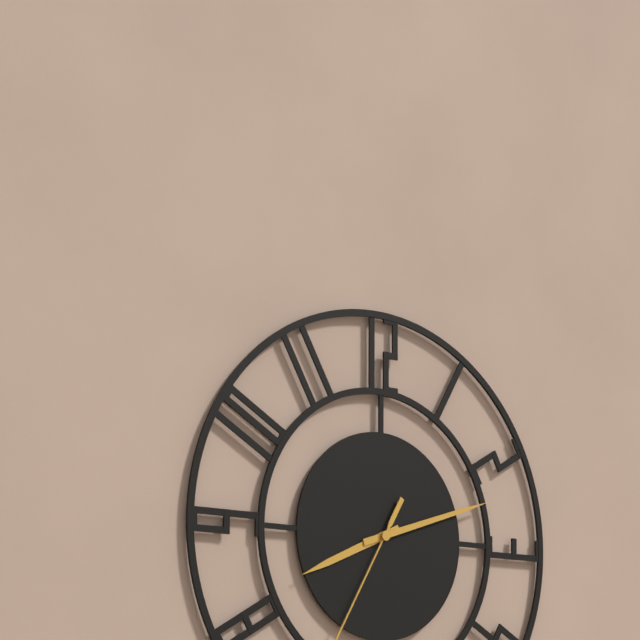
8:12
